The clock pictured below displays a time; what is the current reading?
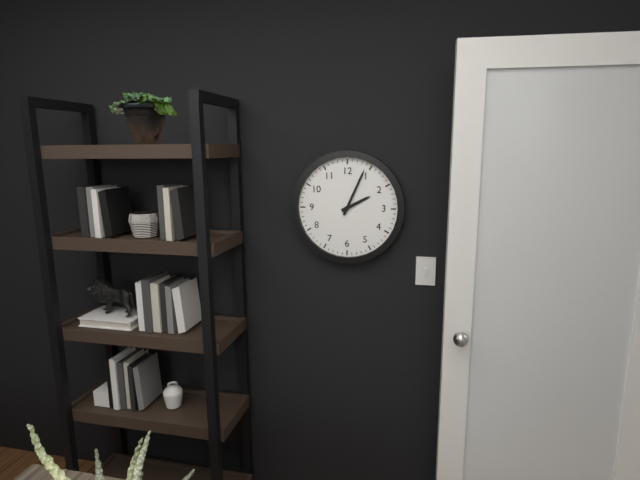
2:04
